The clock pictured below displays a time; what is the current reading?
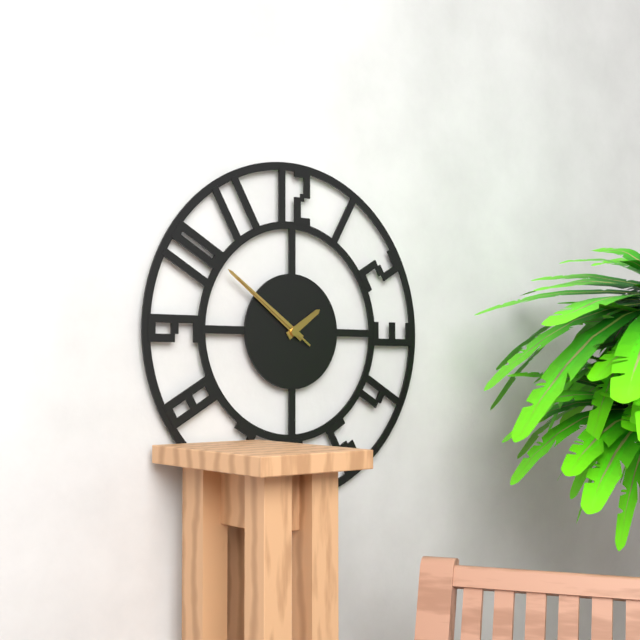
1:51:51
